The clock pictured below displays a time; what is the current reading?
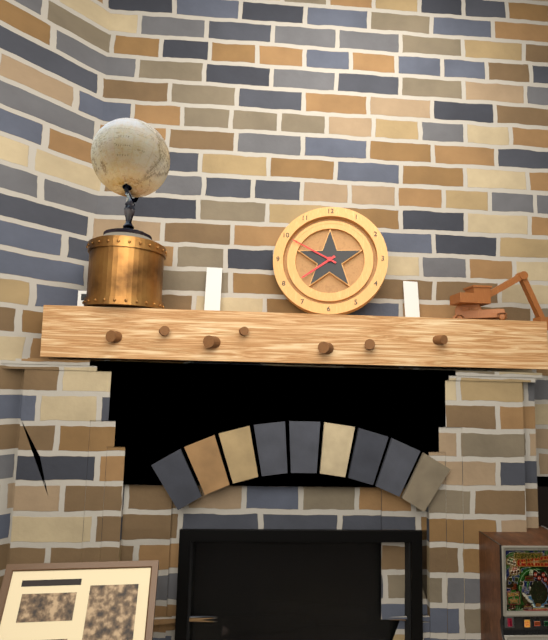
7:50
